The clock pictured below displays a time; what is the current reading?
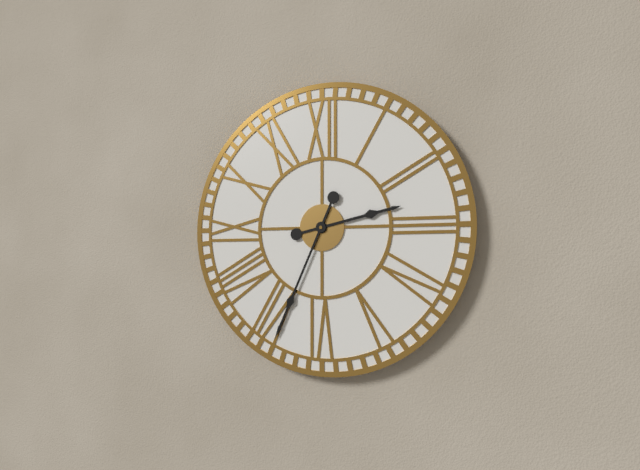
2:34
